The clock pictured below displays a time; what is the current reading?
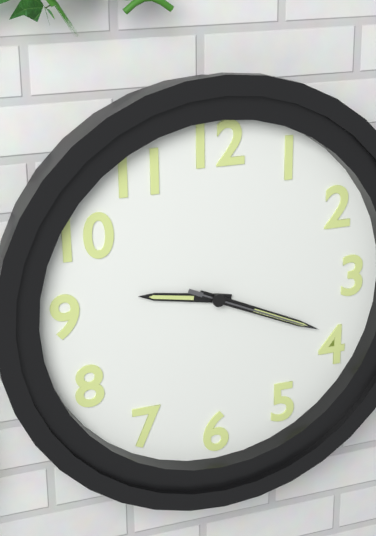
9:19:19
